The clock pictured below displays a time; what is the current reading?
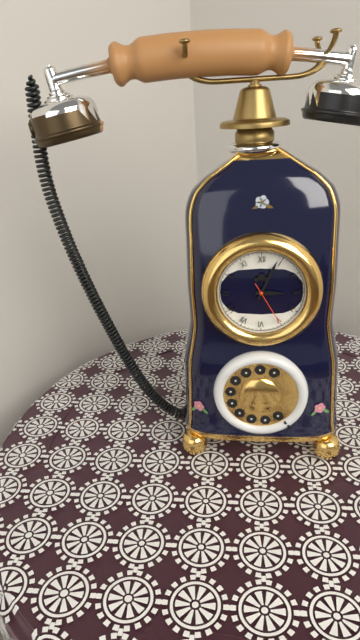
3:04
